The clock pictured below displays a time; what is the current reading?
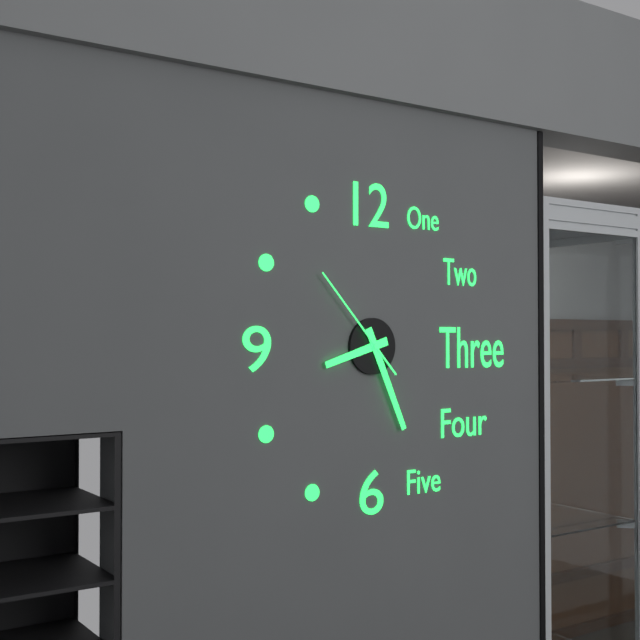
8:26:53
